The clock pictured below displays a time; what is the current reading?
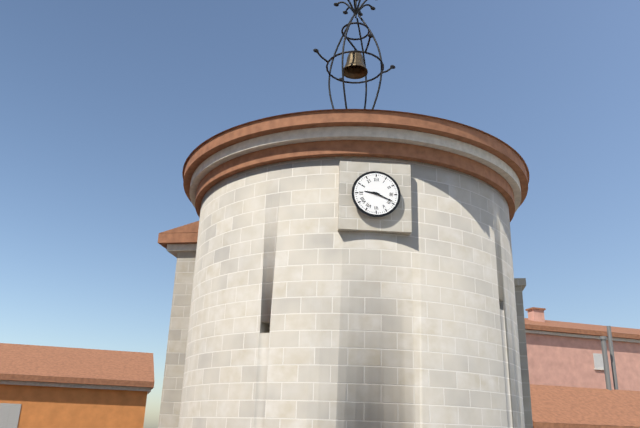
9:19
